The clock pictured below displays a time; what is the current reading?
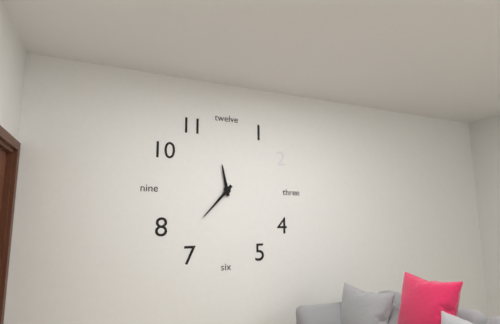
11:37
